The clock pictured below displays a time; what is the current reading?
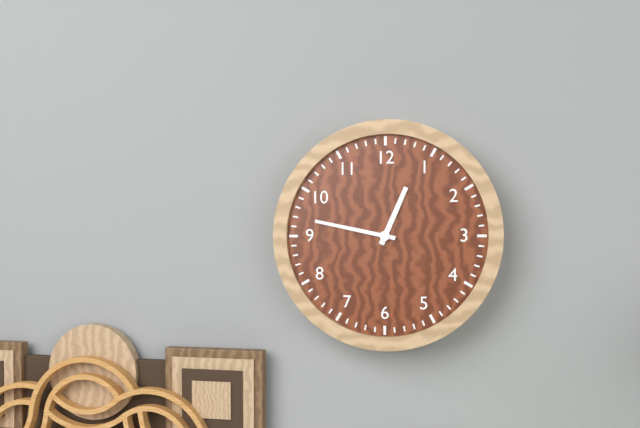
12:47
